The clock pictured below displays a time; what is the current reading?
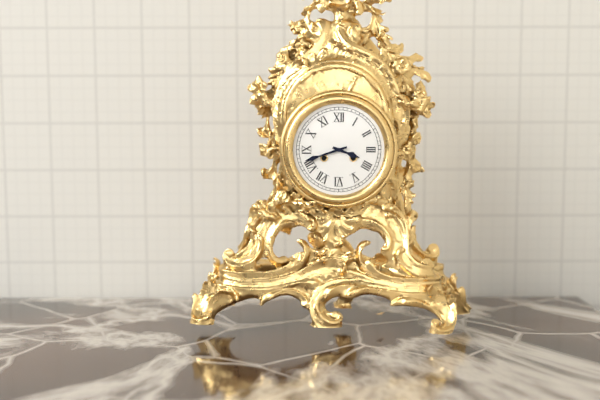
3:42
